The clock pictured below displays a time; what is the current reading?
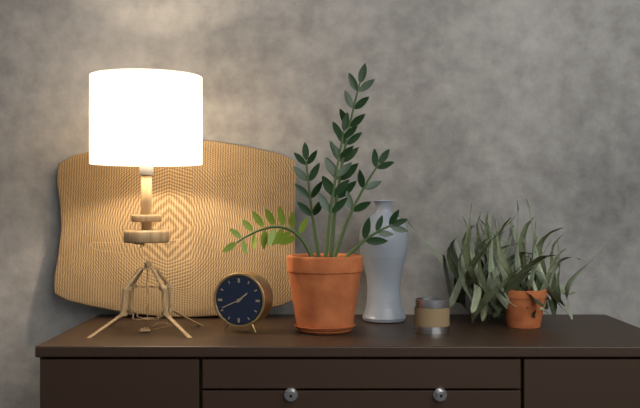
1:41
